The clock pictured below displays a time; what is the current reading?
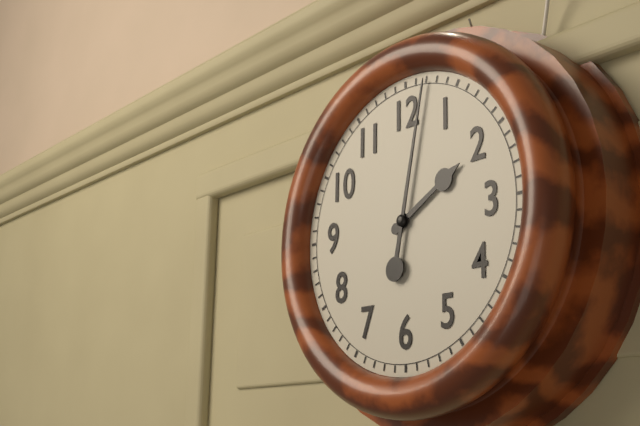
2:02
